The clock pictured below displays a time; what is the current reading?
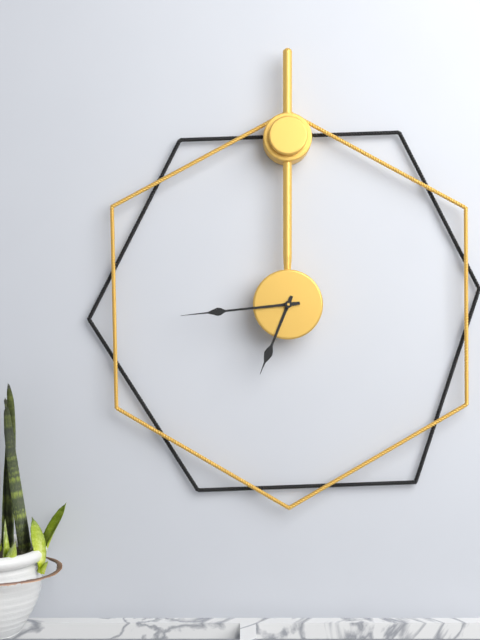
6:44
